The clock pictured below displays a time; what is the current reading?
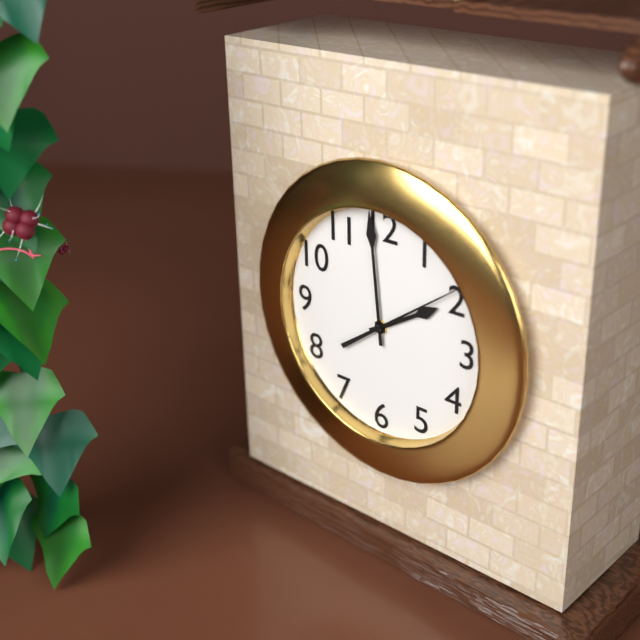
1:59:09
